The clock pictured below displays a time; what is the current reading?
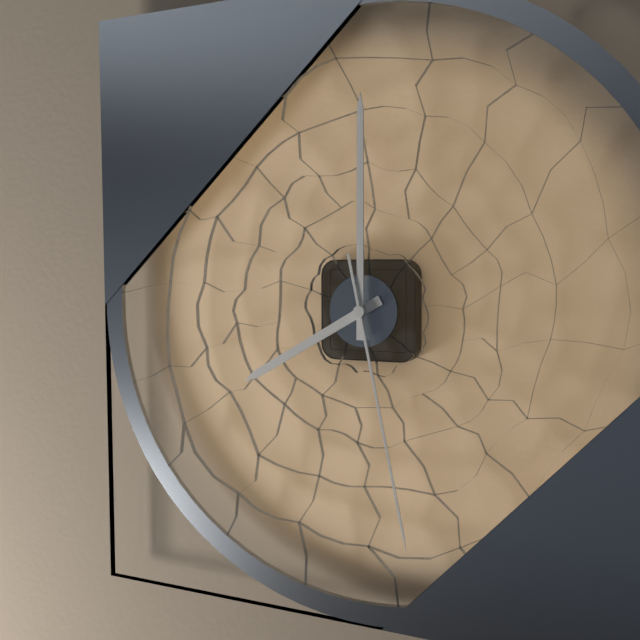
8:00:28
